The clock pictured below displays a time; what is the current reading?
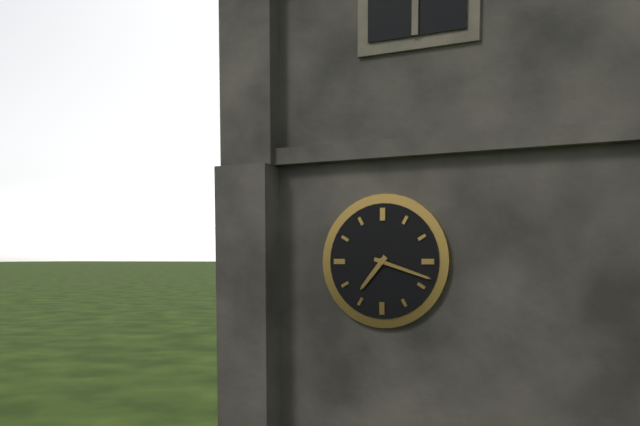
7:18
